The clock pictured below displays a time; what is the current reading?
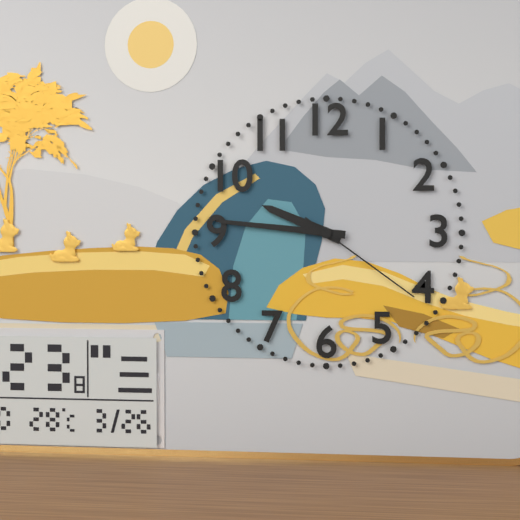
9:46:21
